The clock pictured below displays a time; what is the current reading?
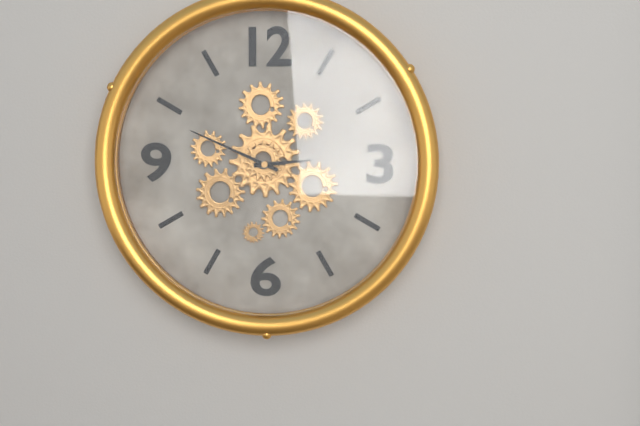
2:49
